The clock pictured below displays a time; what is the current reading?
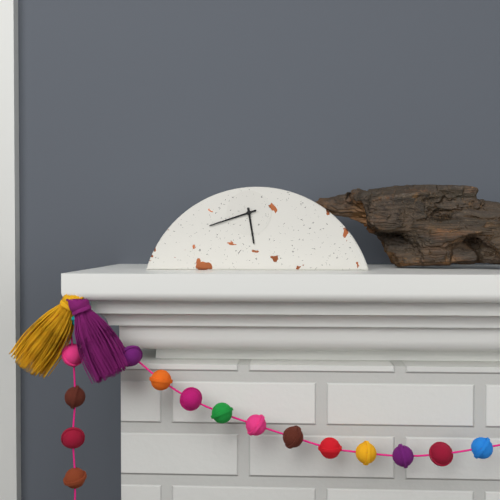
5:42
